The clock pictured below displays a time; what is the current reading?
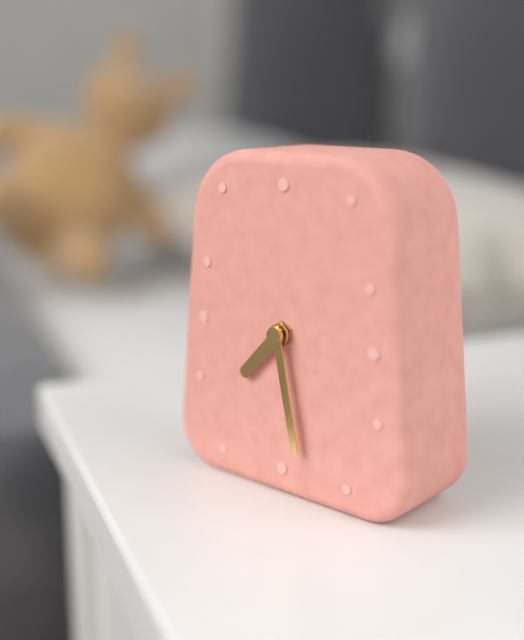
7:28
